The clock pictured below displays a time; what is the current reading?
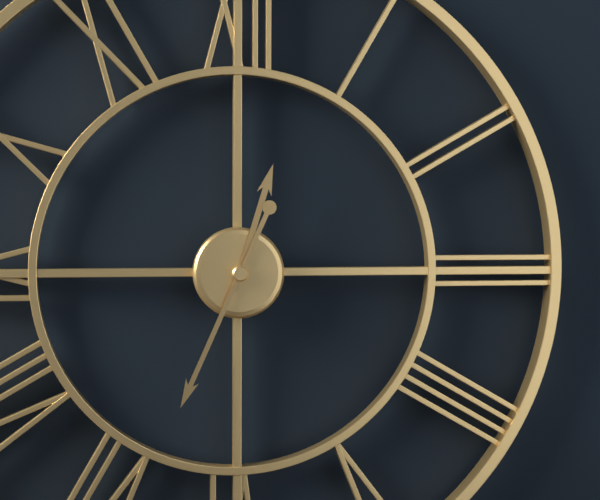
12:34
